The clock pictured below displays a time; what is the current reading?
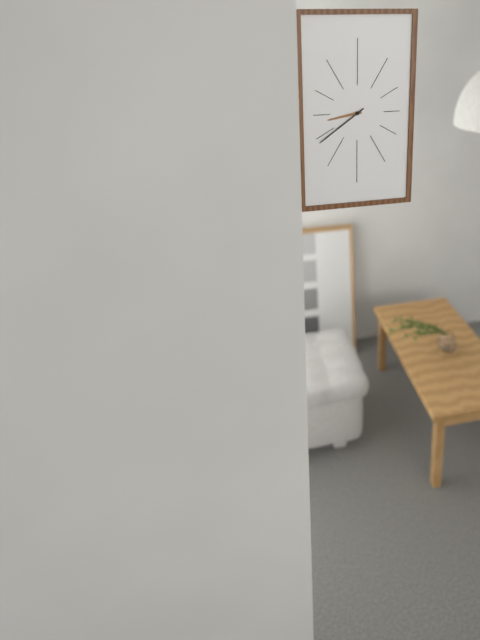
8:39
